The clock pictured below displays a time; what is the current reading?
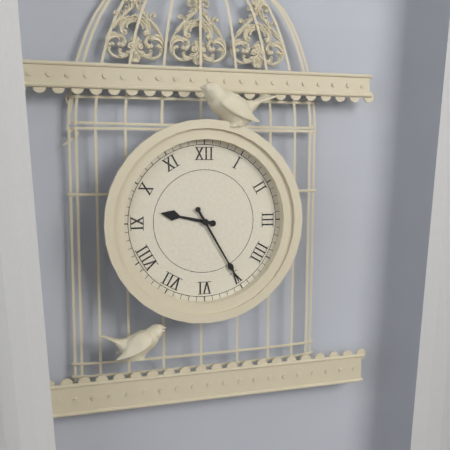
9:25
